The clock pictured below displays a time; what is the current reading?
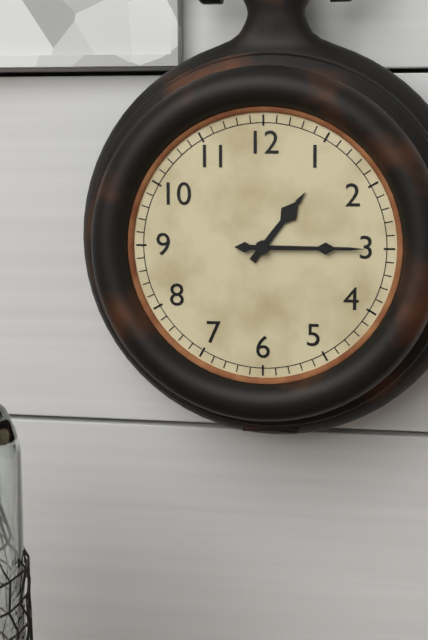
1:15
